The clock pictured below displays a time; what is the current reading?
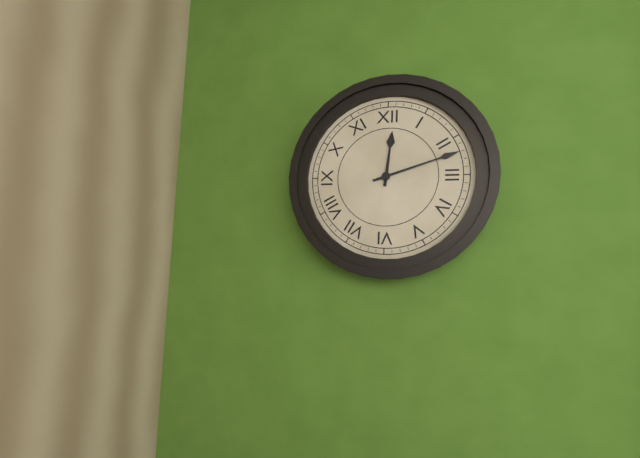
12:12
